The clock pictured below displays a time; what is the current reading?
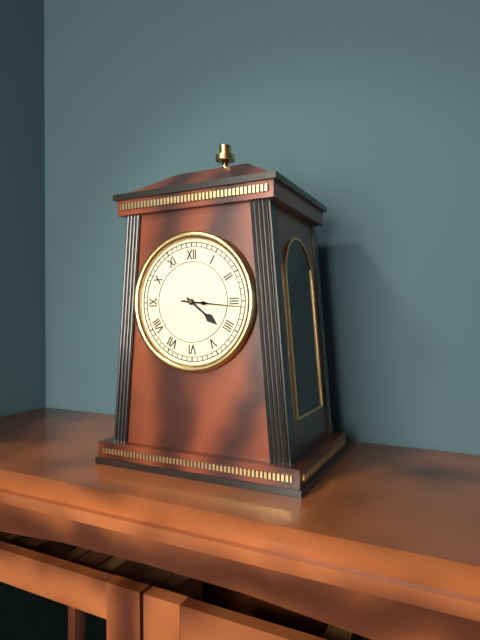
4:16
